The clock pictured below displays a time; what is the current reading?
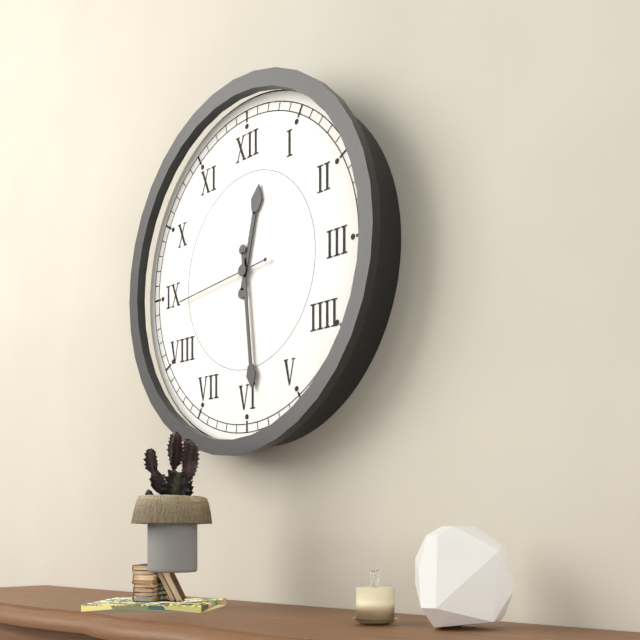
12:29:44
